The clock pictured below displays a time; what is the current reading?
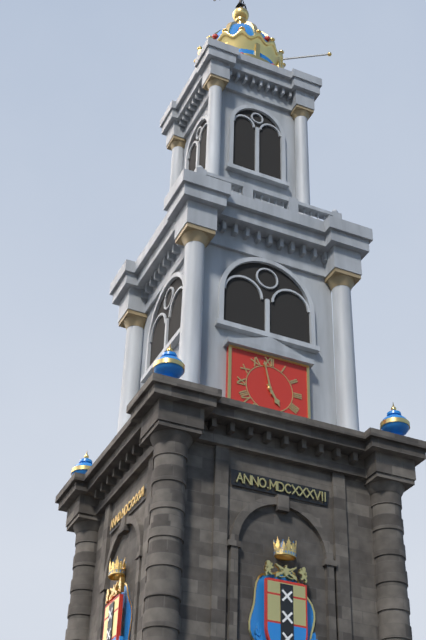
4:58
